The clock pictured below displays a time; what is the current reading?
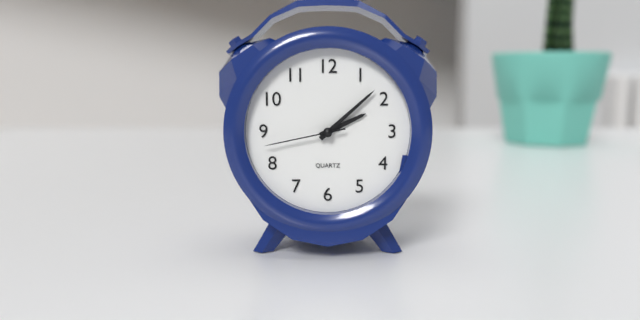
2:08:43
